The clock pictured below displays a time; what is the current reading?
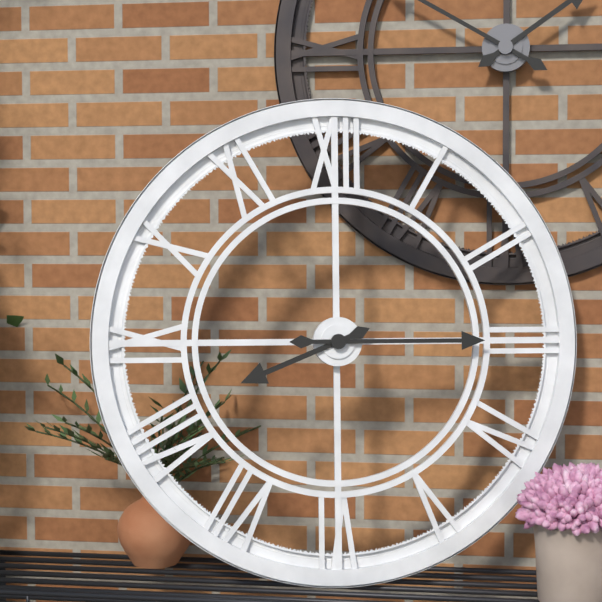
8:15
